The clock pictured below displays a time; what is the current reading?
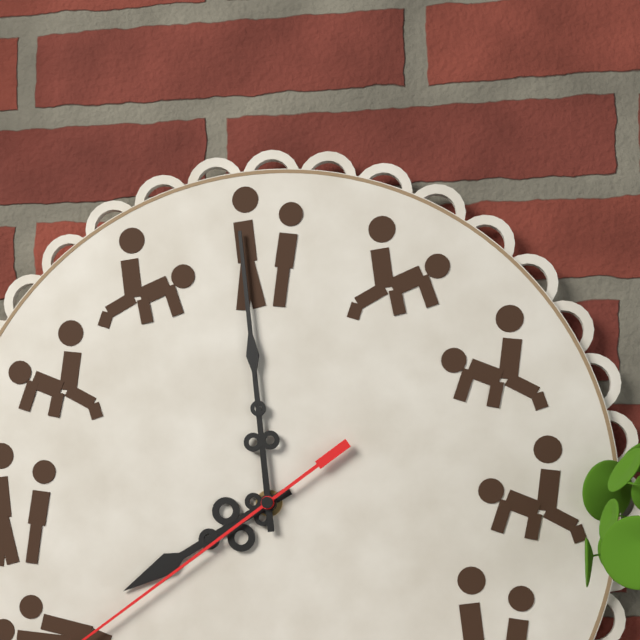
7:59
